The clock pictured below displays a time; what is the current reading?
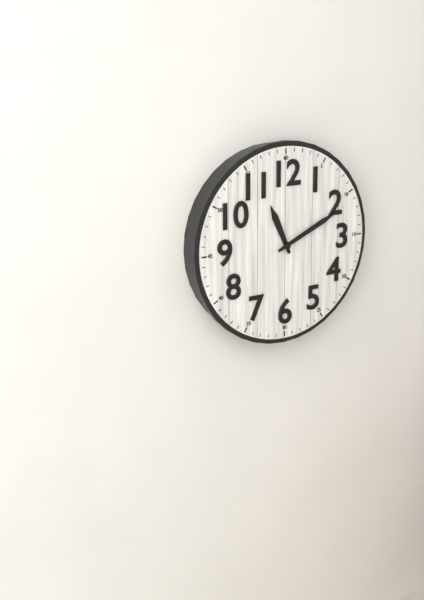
11:11
